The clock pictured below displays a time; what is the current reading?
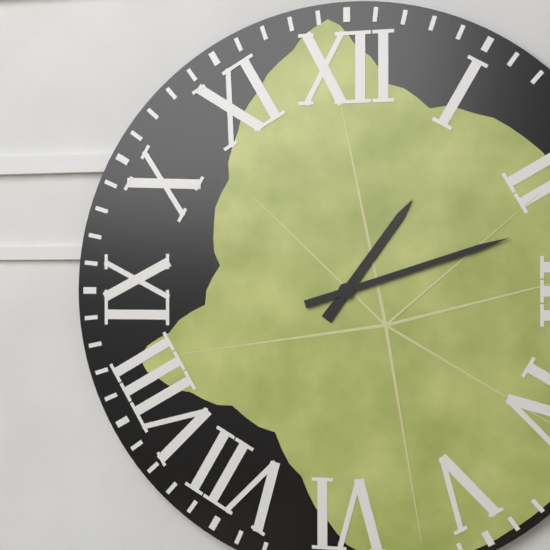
1:12
